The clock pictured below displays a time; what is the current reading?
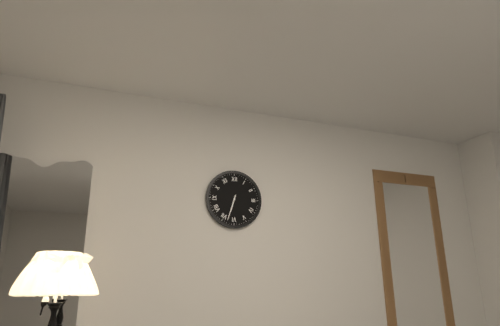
6:33
